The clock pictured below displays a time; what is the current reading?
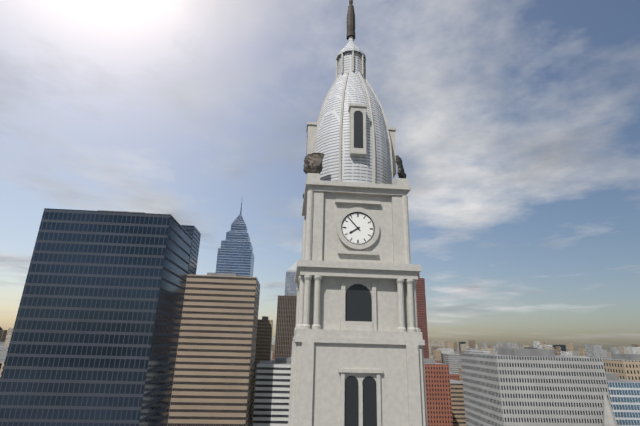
7:53
